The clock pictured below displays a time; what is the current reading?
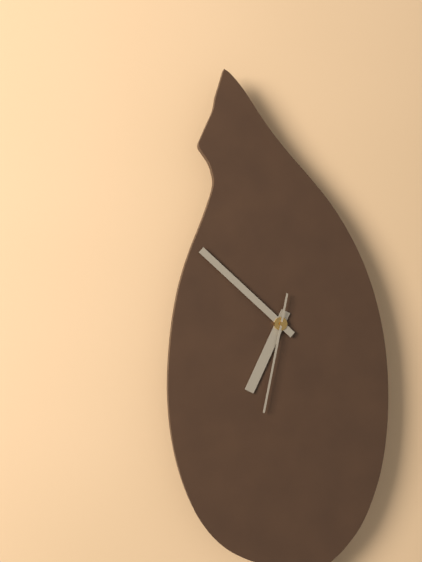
6:52:32
